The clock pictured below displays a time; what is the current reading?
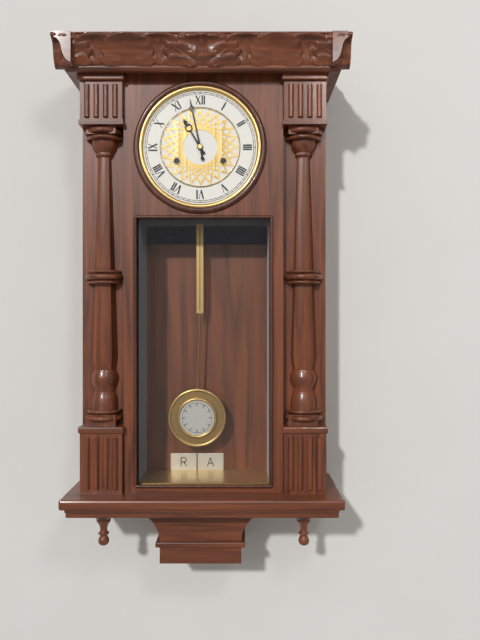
10:58
